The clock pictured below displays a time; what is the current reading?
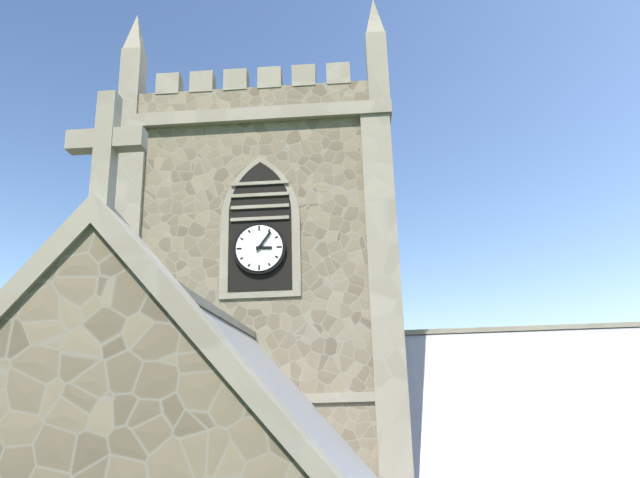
3:06
